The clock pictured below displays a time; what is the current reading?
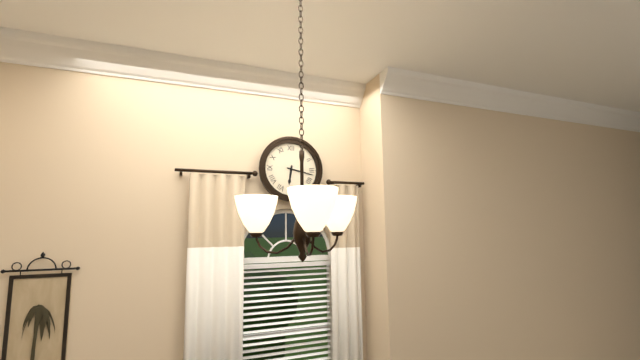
6:17
